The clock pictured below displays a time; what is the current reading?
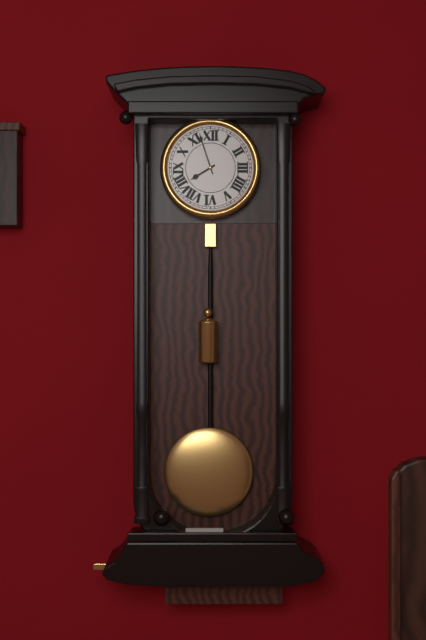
7:57
